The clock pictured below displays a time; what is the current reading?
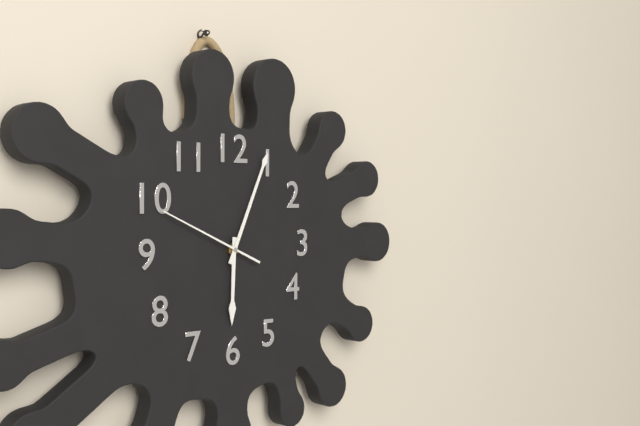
6:04:49
